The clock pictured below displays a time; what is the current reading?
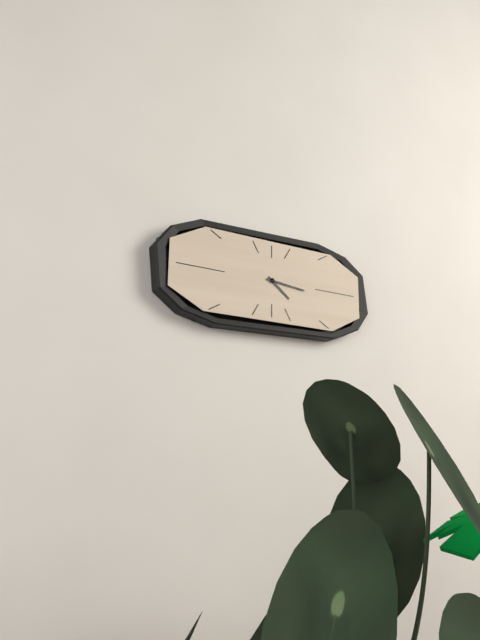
4:16
